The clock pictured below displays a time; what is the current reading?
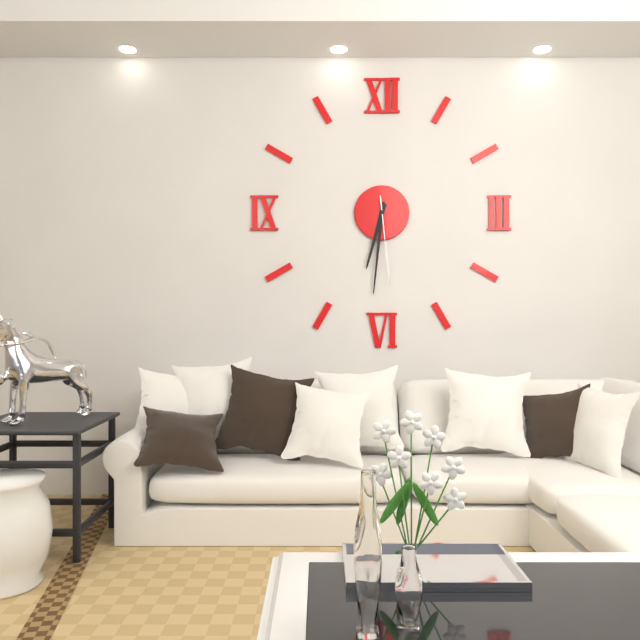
6:31:29
